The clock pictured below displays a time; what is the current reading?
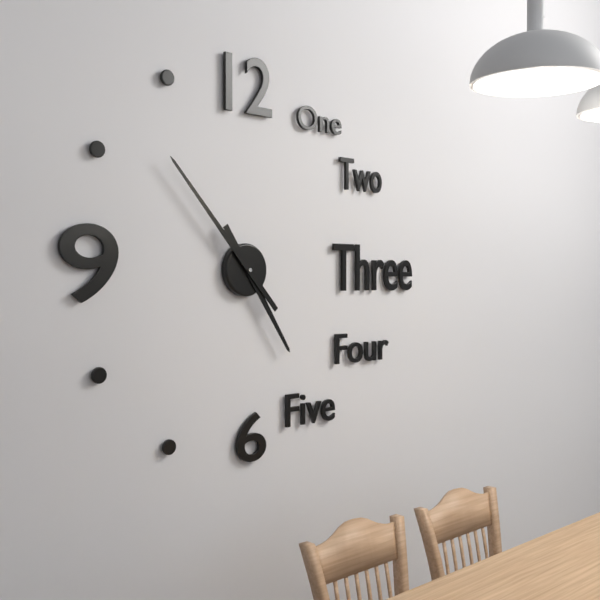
4:53
